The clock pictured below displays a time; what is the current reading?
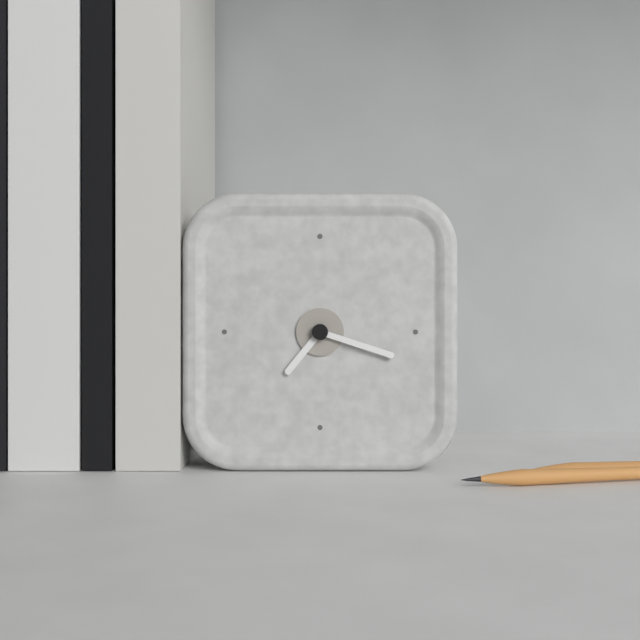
7:18
